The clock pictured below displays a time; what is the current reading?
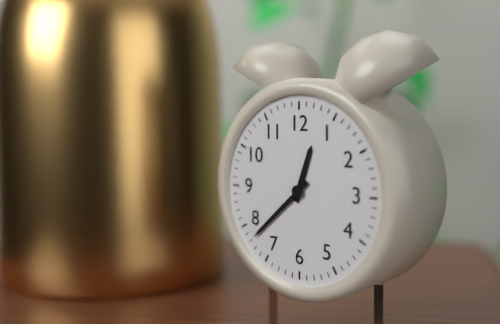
12:38
